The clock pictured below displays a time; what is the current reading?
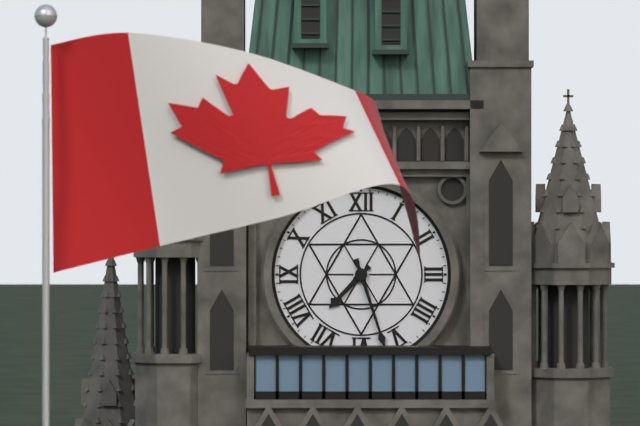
7:27
